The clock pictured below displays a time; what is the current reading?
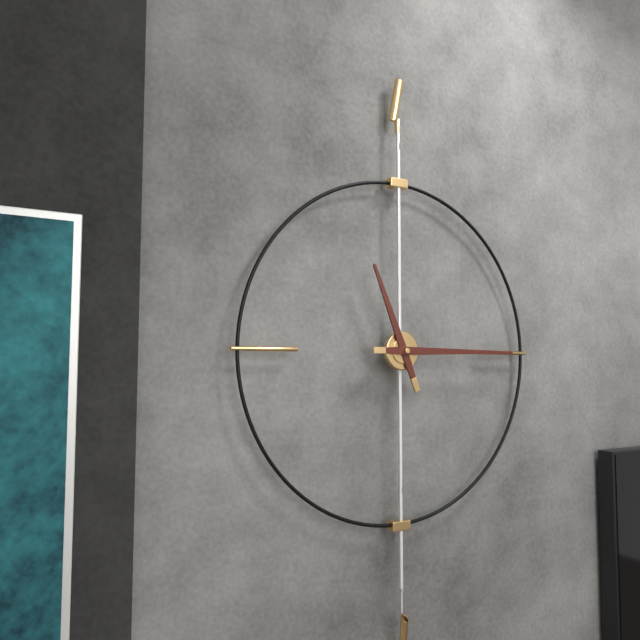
11:15
